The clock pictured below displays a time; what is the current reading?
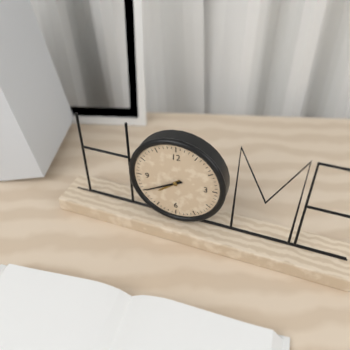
7:40
